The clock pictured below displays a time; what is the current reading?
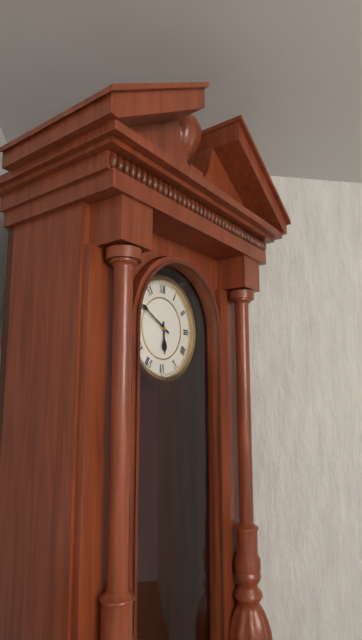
5:50
